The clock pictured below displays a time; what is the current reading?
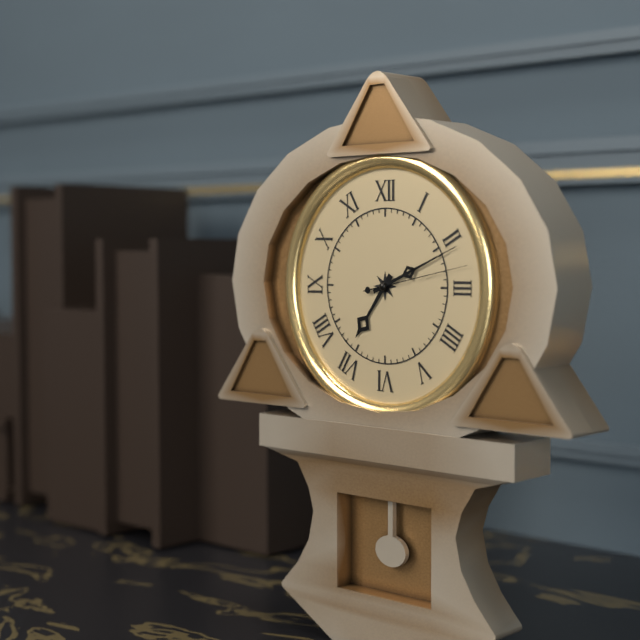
7:11:13
